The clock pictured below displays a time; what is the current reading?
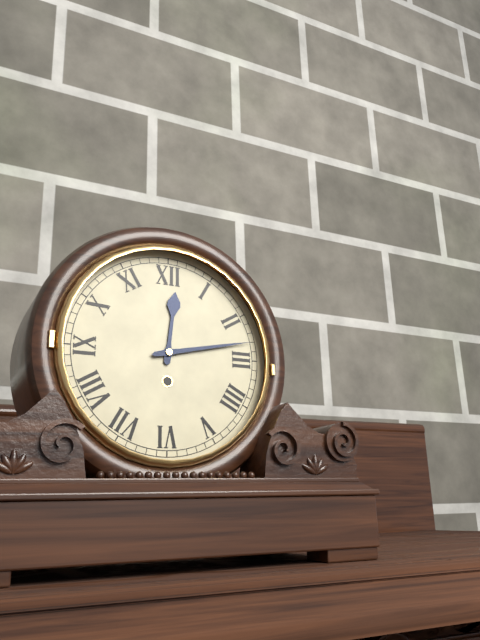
12:13
